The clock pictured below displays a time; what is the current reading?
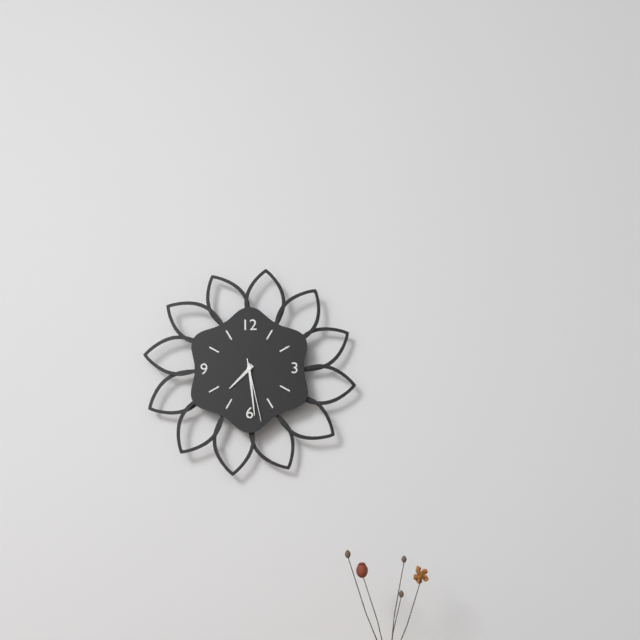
7:29:28
